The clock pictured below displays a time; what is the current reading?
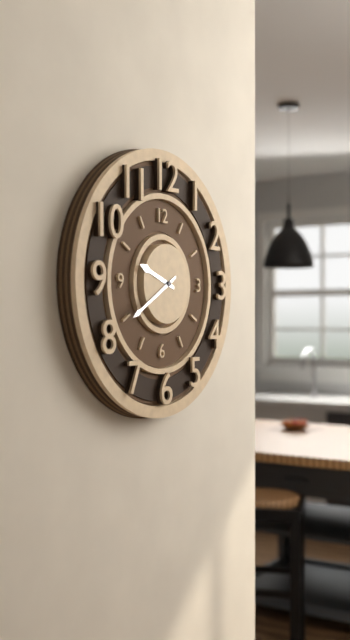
9:40
